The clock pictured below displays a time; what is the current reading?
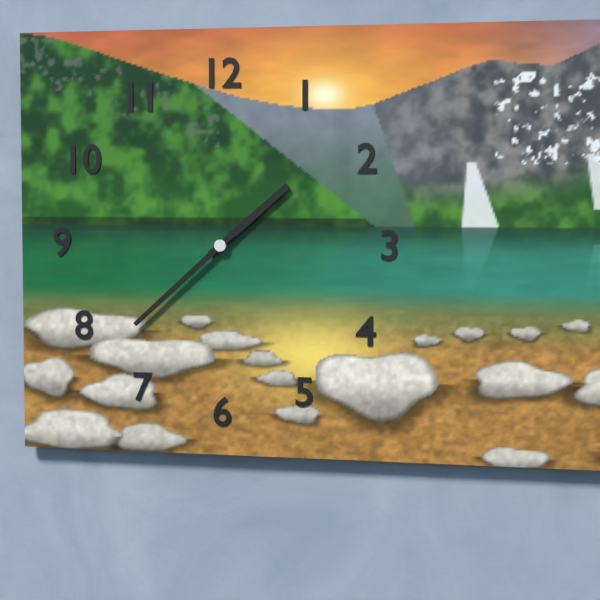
1:38
